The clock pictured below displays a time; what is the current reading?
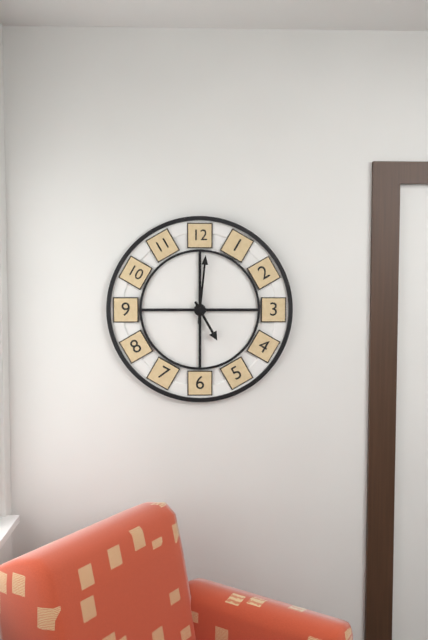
5:01
